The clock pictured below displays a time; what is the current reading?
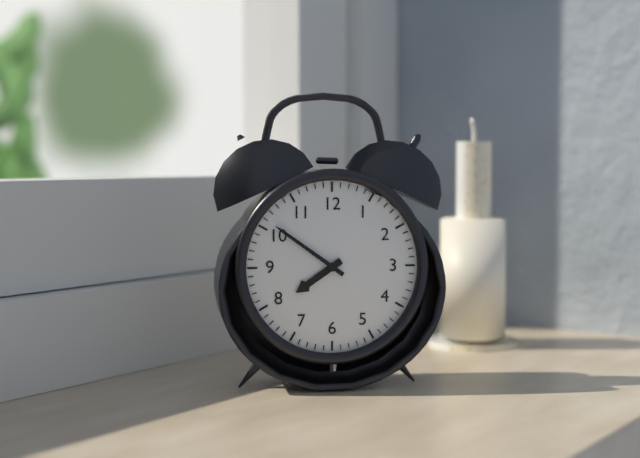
7:51
